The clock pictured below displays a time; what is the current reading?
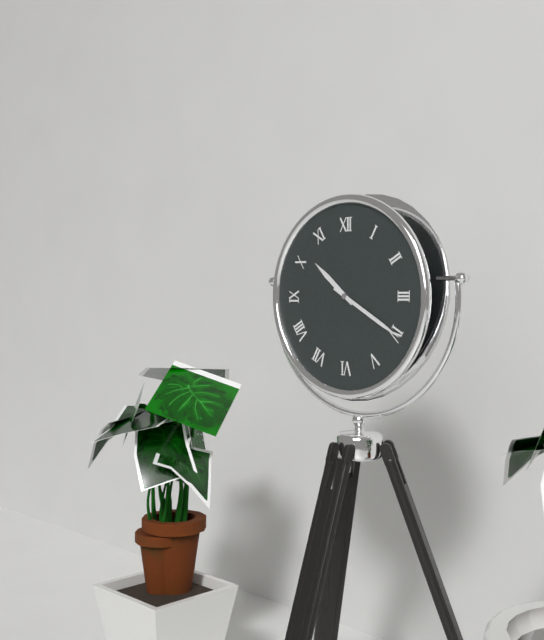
10:20
